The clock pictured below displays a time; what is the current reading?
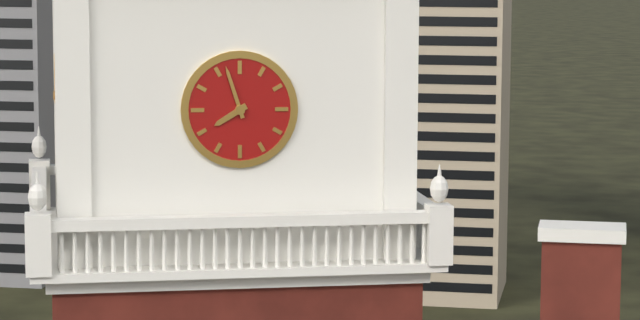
7:57
